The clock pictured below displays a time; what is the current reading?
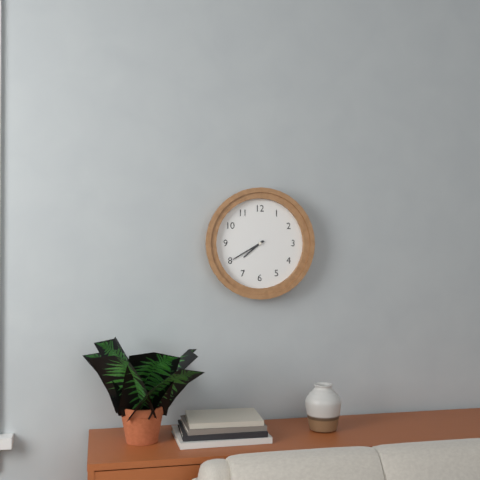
7:40
